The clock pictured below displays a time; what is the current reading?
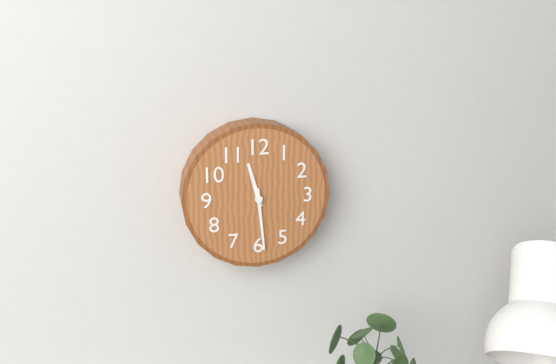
11:29
